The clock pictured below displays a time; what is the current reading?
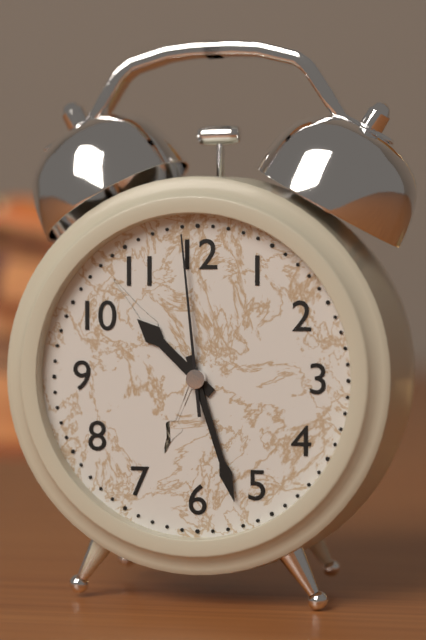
10:27:59
